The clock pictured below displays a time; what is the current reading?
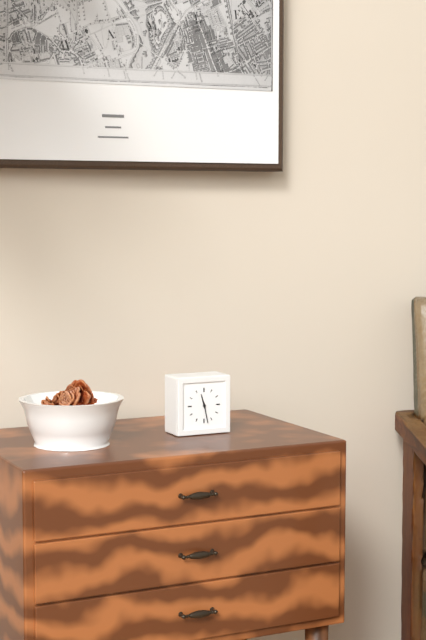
11:28
